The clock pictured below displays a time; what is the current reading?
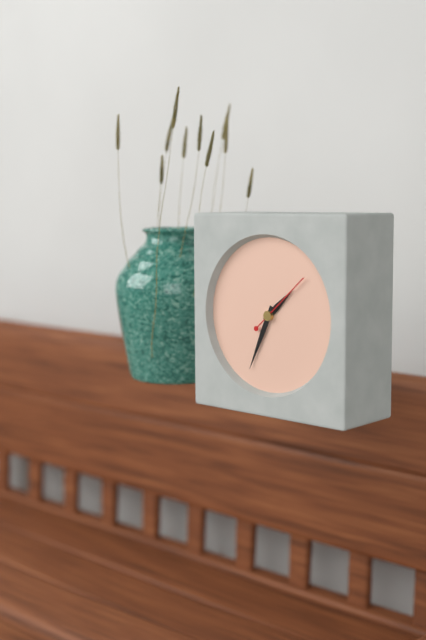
1:34:08
